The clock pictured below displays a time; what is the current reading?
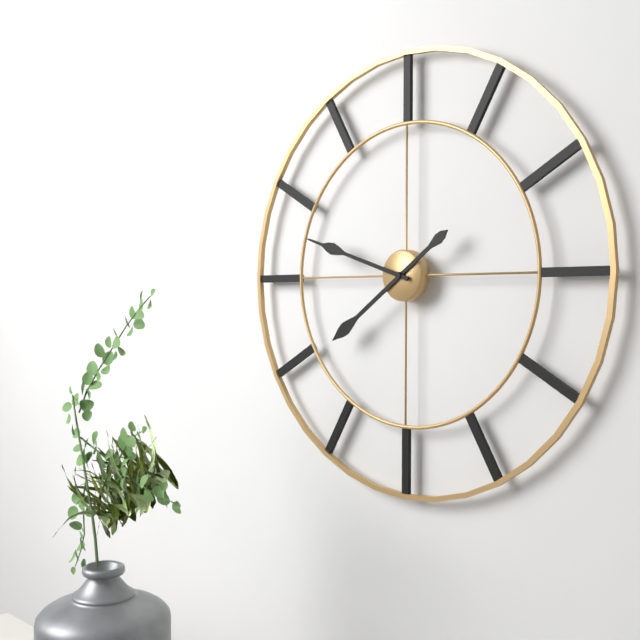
7:48
